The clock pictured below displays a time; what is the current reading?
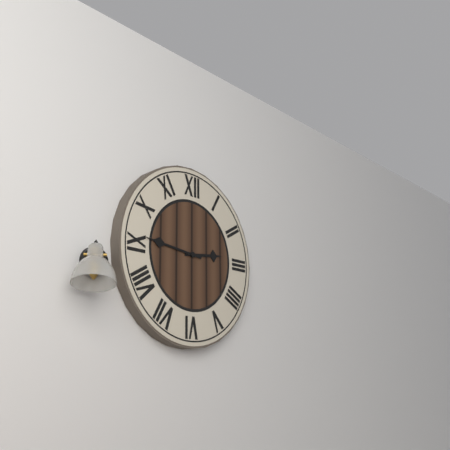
2:46
